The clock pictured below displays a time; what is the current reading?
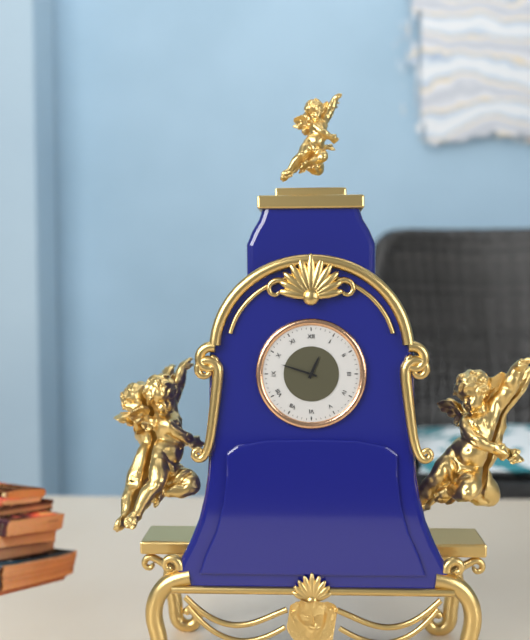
12:48
